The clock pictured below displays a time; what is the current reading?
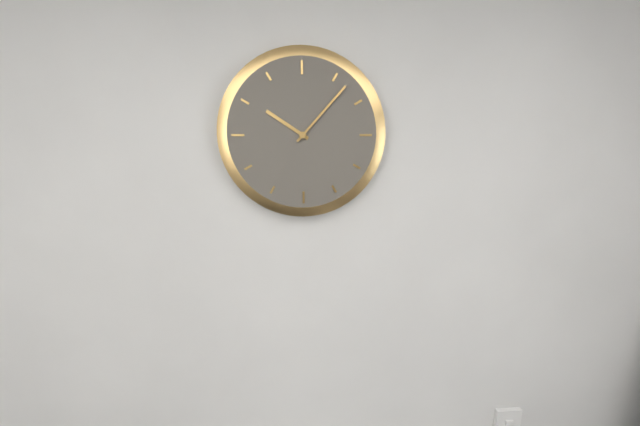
10:07
